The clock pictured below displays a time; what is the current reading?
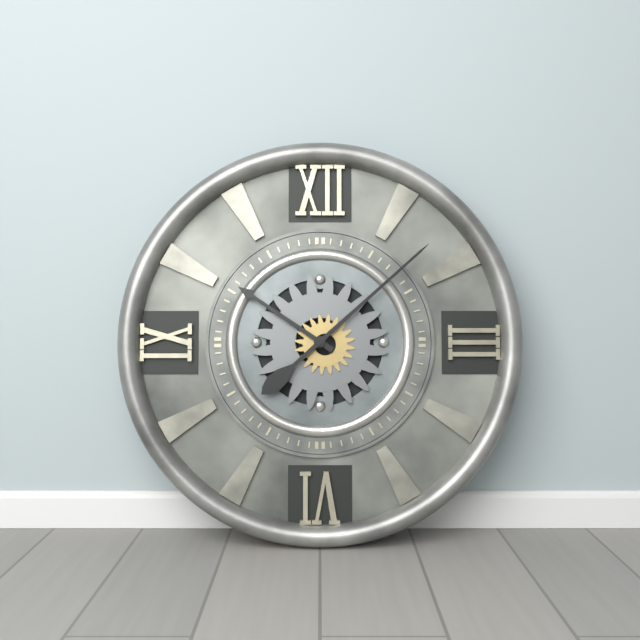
10:08
